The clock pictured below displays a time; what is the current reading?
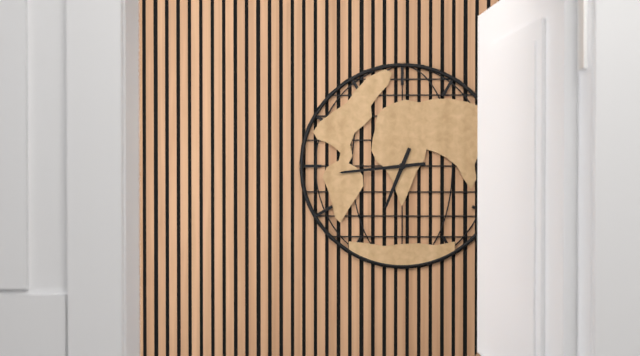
6:44
